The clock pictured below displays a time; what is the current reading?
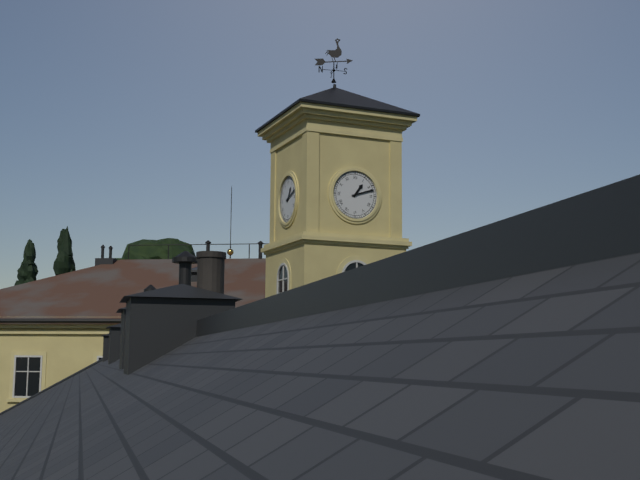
1:12
